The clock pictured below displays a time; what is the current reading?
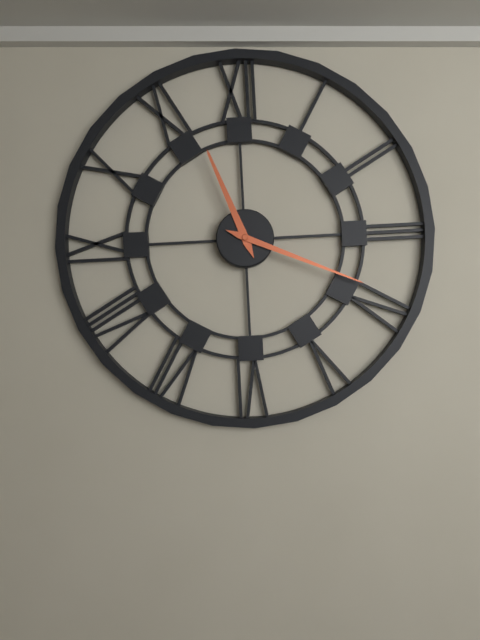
11:19
